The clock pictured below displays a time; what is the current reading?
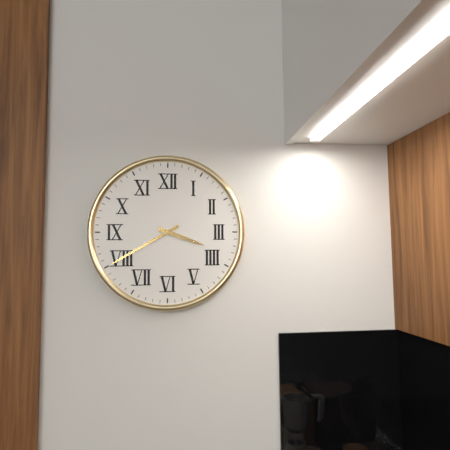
3:40
